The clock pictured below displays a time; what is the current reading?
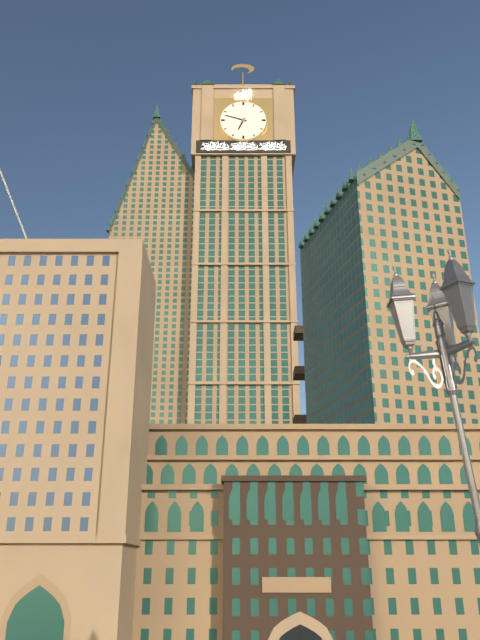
6:48
